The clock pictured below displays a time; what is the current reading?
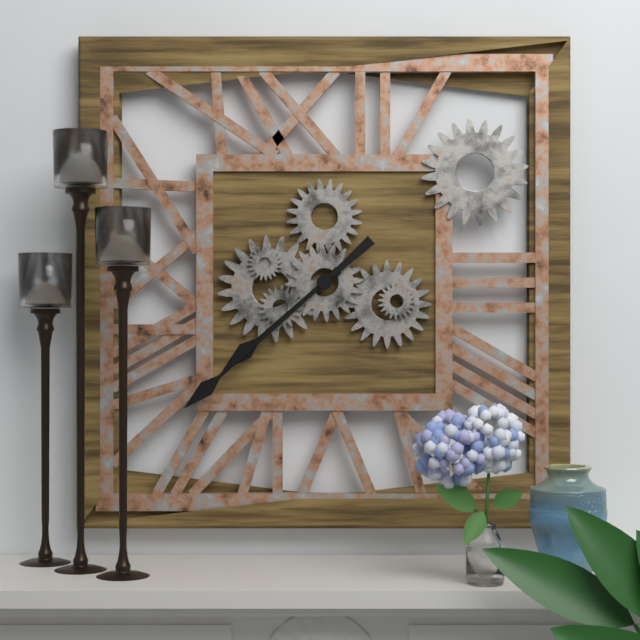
7:38
